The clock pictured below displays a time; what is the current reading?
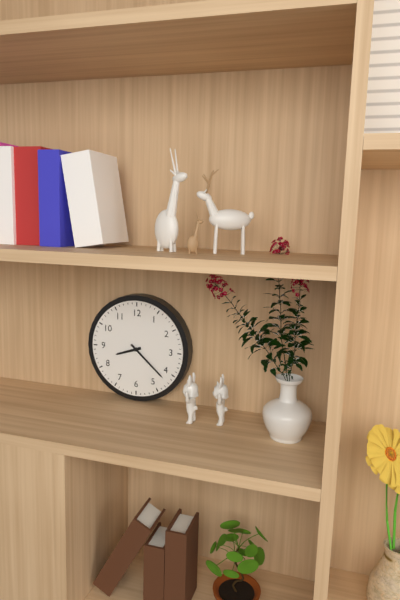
8:22
